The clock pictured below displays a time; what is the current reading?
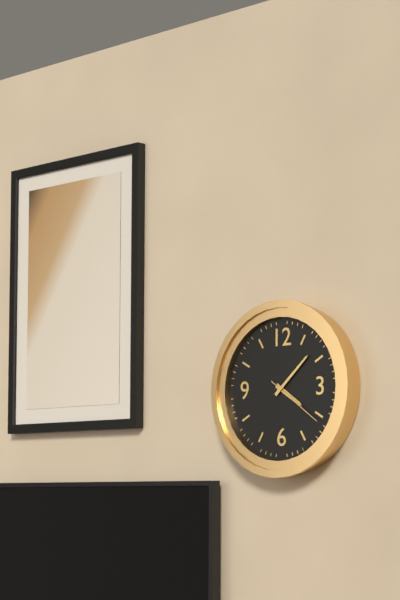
4:08:21
